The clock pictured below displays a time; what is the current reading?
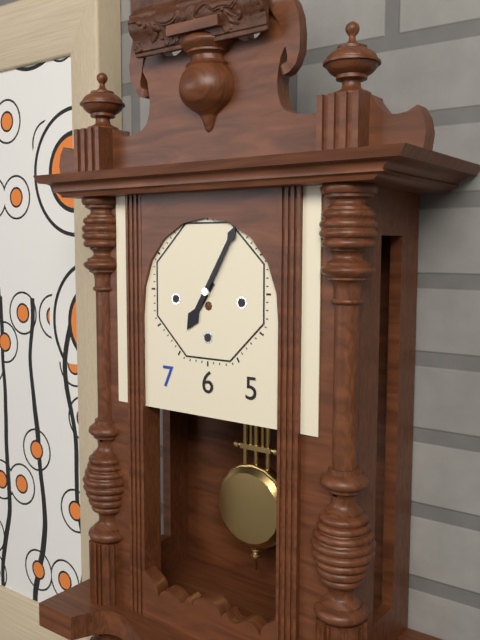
7:05
